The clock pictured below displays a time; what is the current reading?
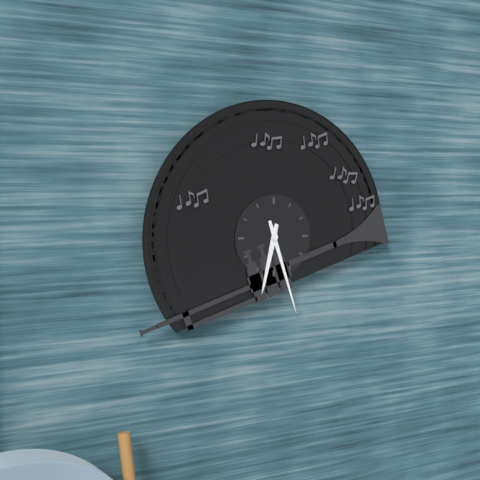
6:27
